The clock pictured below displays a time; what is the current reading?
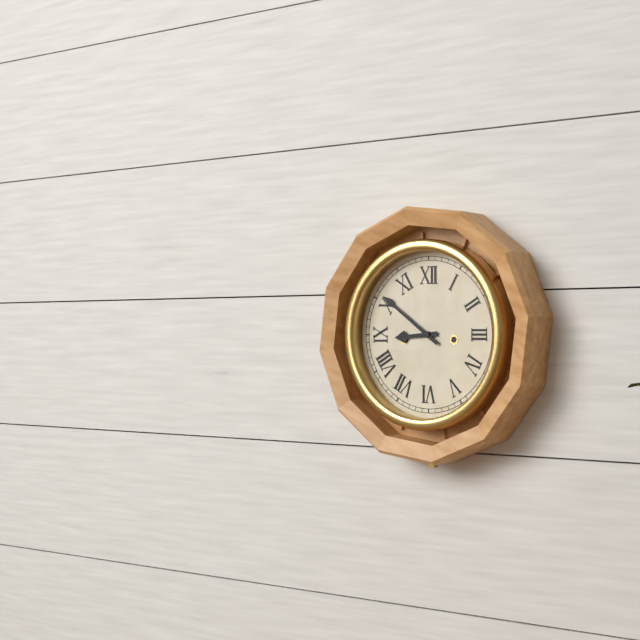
8:51
